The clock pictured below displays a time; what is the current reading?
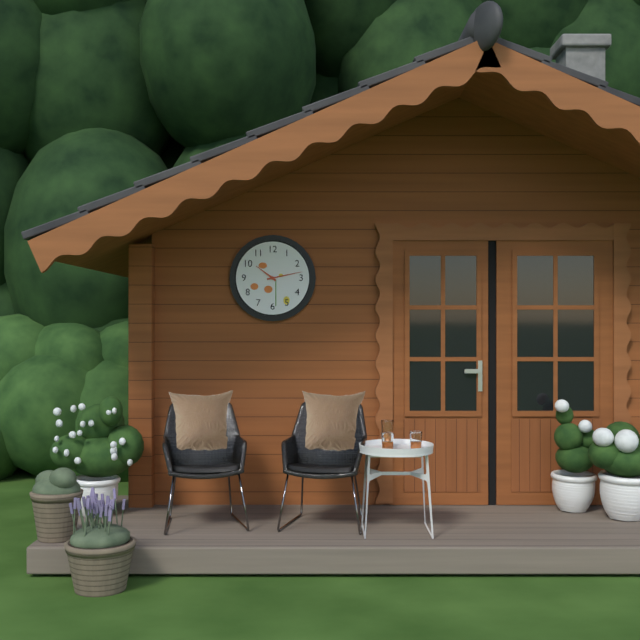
10:13
